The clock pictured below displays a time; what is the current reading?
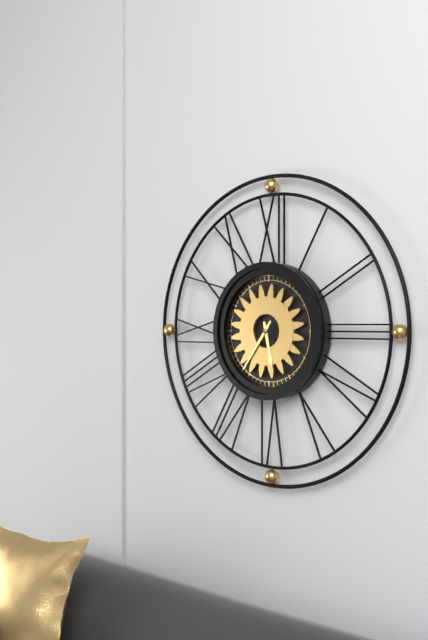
5:36
